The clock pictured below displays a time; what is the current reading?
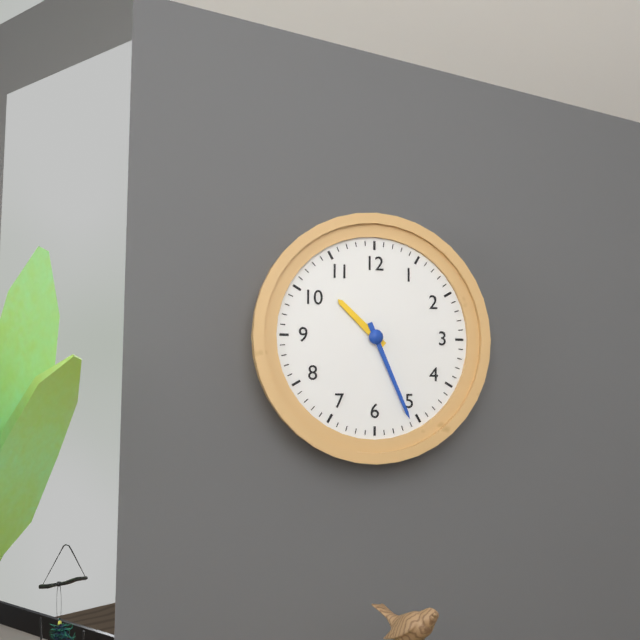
10:26
